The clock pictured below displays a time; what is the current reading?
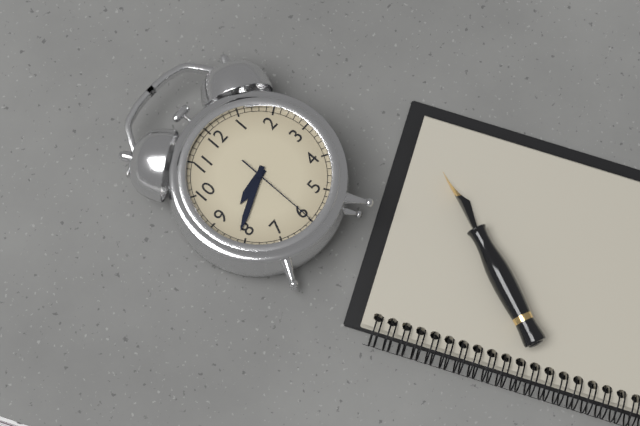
8:41:30
